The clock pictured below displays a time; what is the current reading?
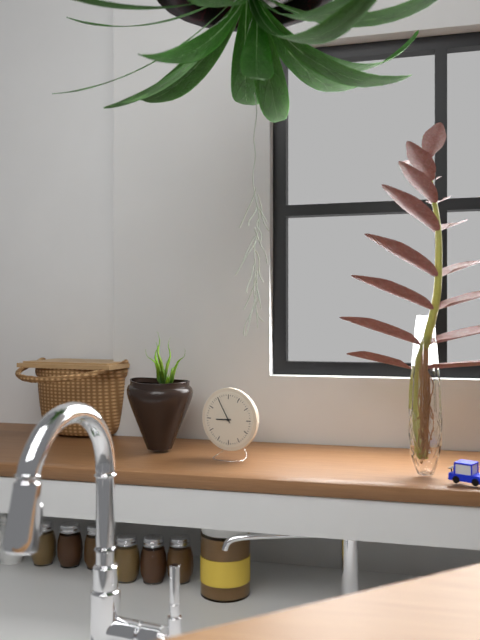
8:55
